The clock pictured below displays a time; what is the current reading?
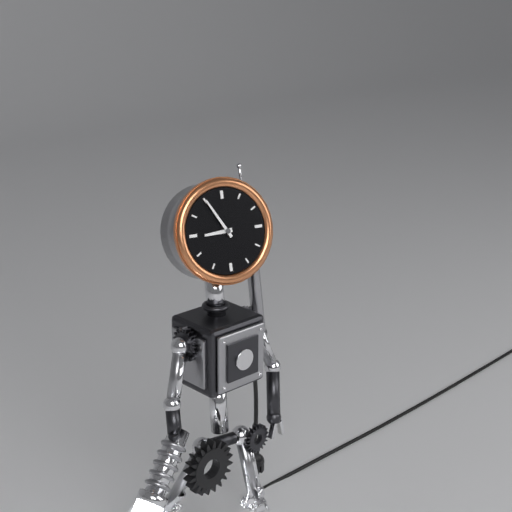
8:55
